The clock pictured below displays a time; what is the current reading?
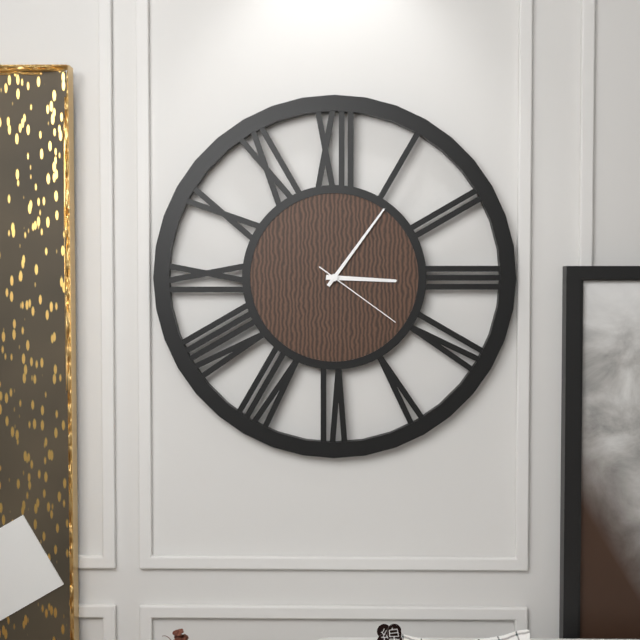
3:06:21
